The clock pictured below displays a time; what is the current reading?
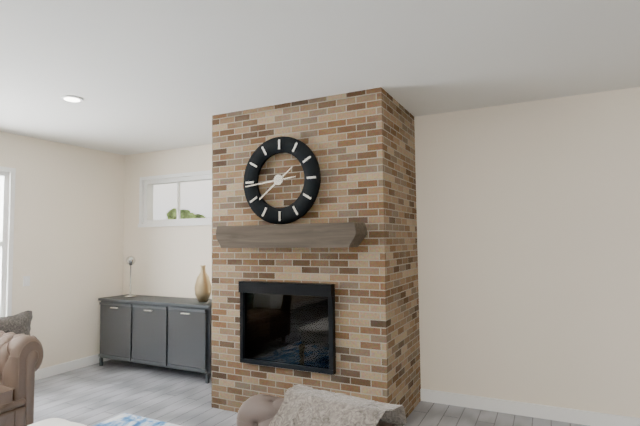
7:44
